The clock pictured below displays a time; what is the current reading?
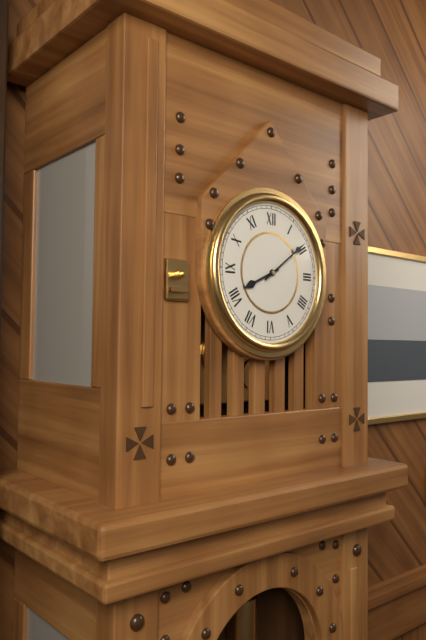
8:09
